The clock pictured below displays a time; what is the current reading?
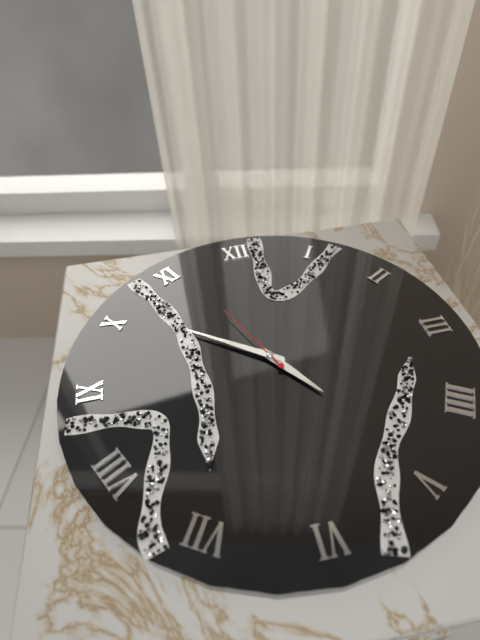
4:51:56
